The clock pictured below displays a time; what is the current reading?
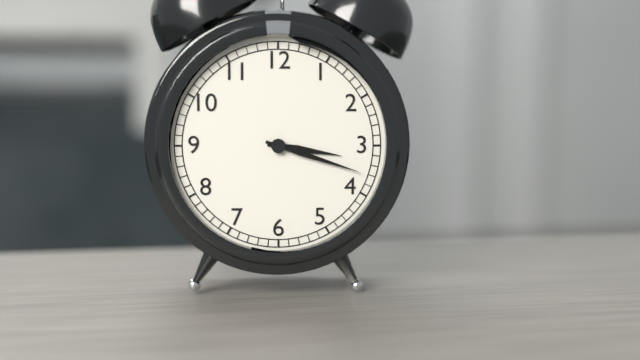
3:18
